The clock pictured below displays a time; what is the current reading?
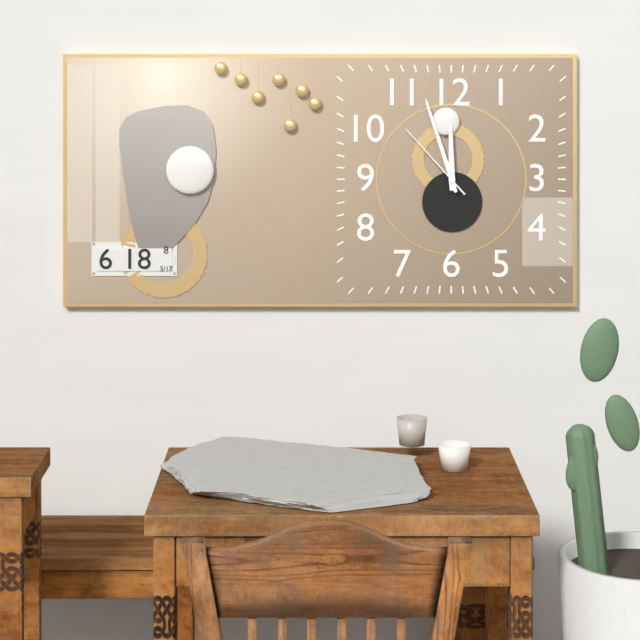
11:57:53
